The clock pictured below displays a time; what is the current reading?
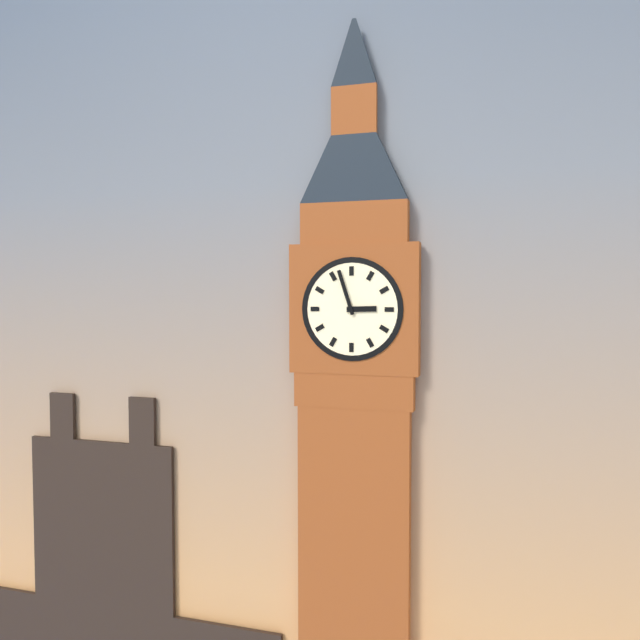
2:57
